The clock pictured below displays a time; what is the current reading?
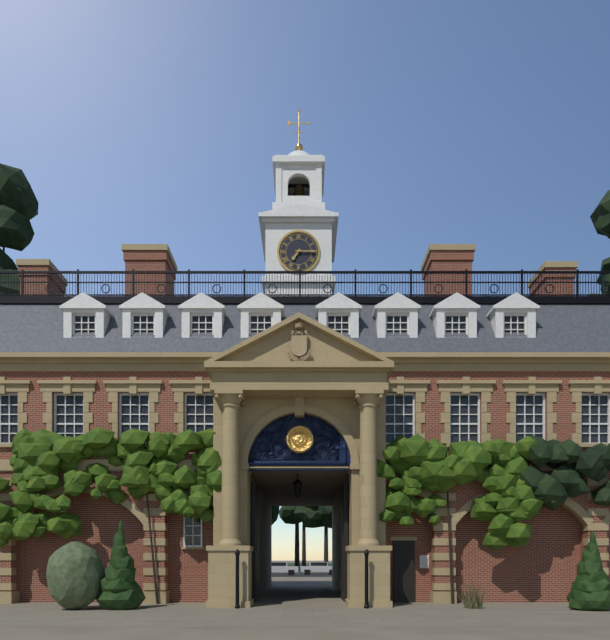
7:15
